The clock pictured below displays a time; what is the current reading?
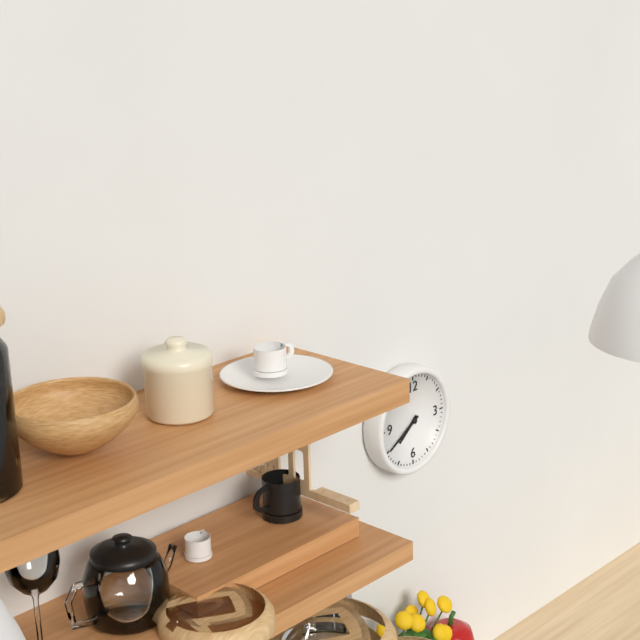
7:40
